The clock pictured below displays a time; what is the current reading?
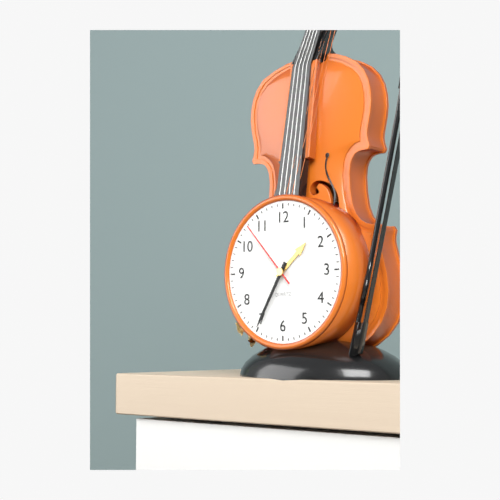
1:35:53
